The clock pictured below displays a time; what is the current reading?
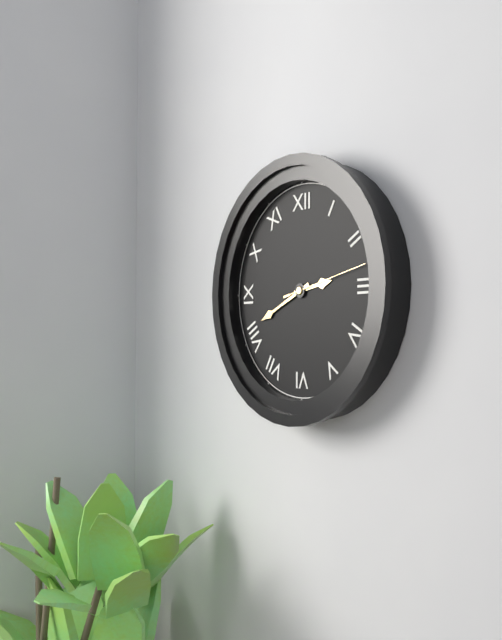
2:41:13
